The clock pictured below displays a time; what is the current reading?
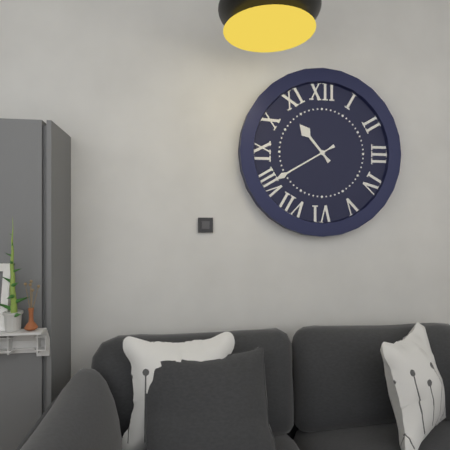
10:40
